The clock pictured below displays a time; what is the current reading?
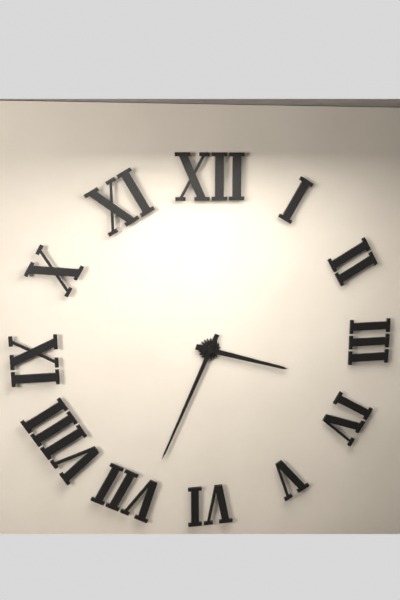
3:34
